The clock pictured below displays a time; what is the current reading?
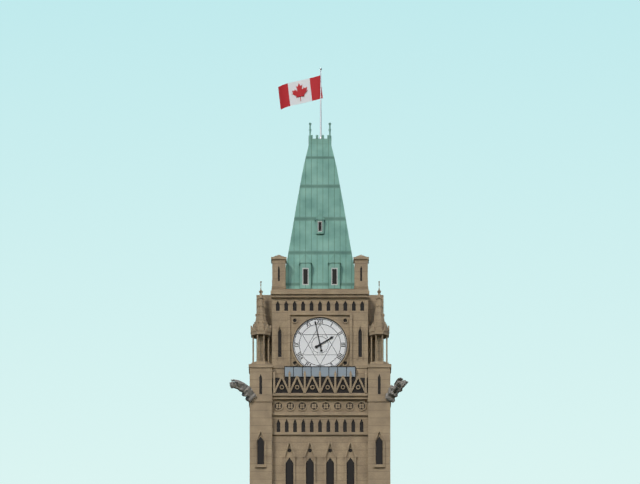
1:58
